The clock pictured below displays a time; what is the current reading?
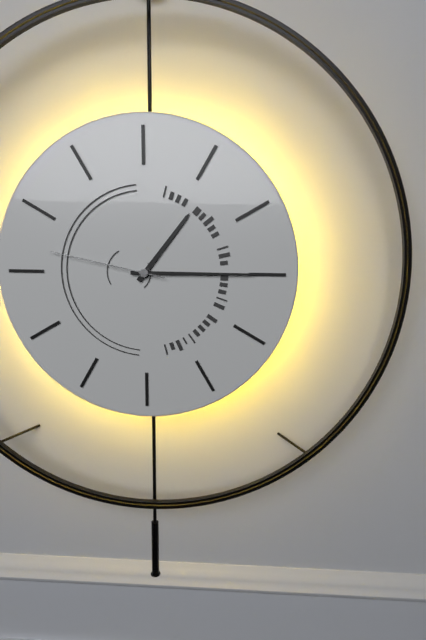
1:15:47
